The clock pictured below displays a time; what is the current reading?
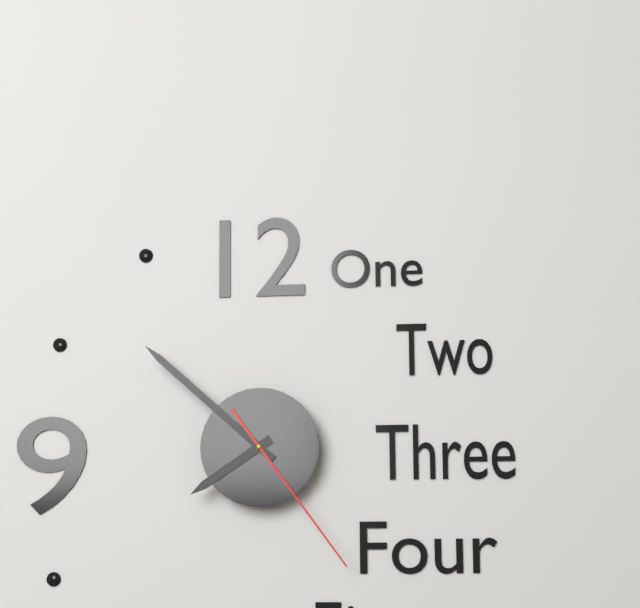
7:52:24
